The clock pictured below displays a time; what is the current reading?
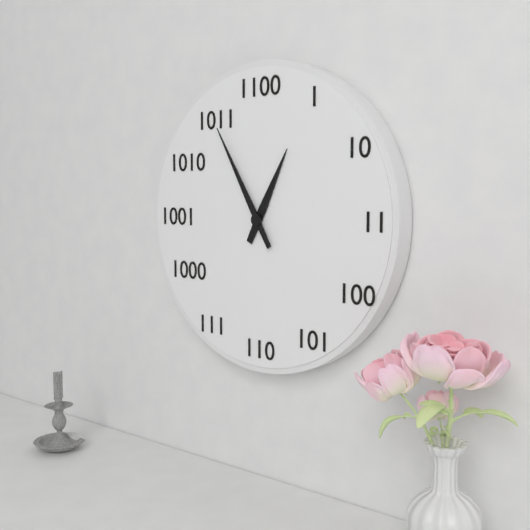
12:55
